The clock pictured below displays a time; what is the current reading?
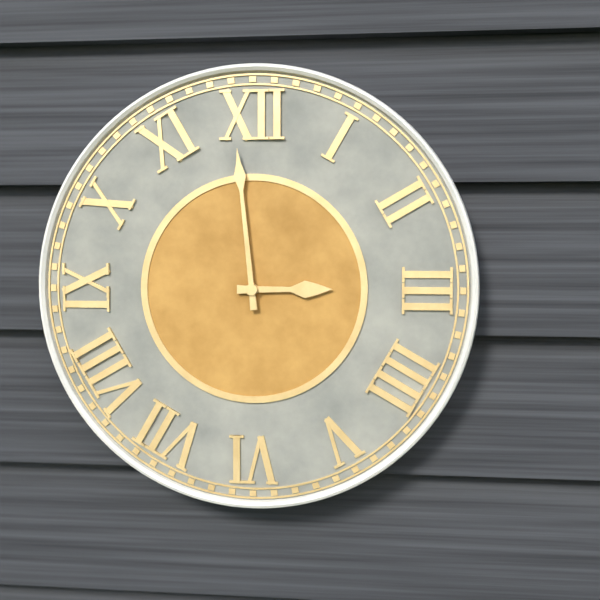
2:59
